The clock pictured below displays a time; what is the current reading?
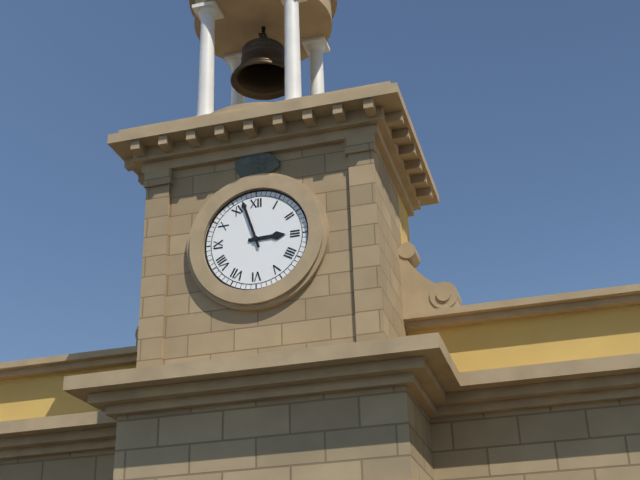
2:57
